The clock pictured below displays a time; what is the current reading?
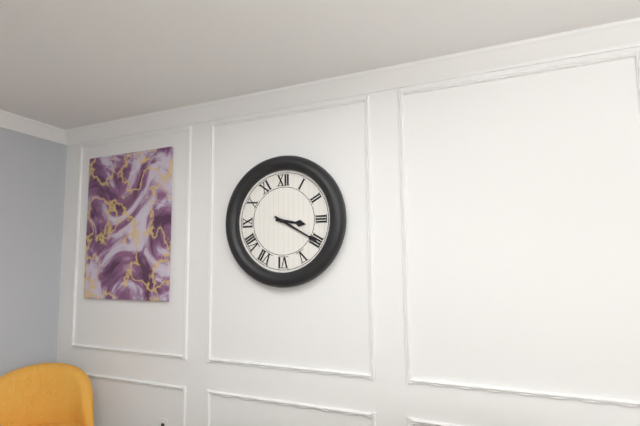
3:20
